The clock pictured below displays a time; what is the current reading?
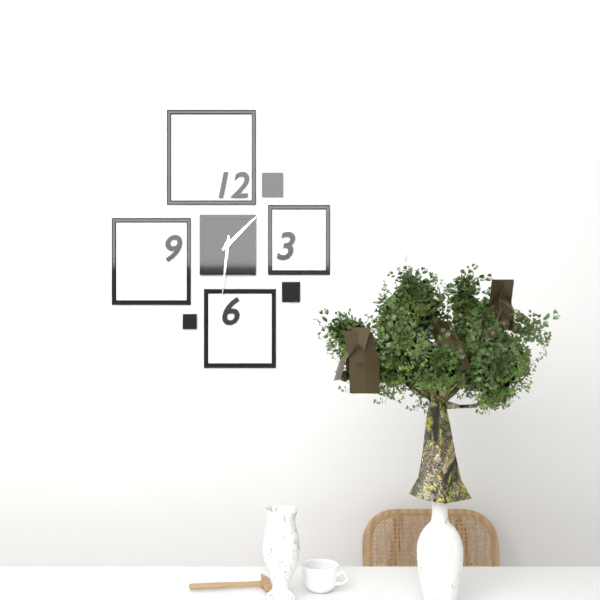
1:31
